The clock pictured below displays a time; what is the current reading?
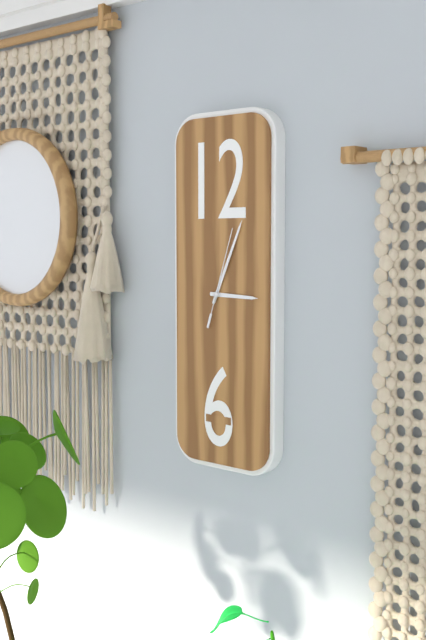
3:04:03
